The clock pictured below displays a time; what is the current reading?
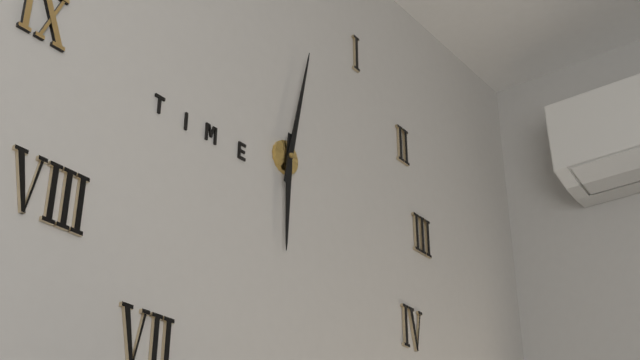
6:02
